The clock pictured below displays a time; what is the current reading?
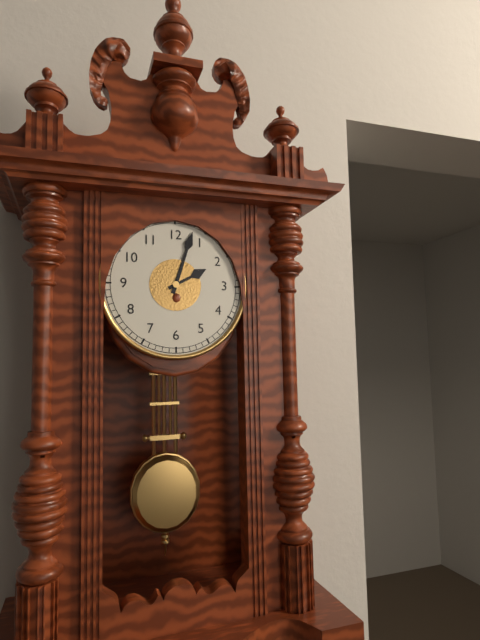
2:03
